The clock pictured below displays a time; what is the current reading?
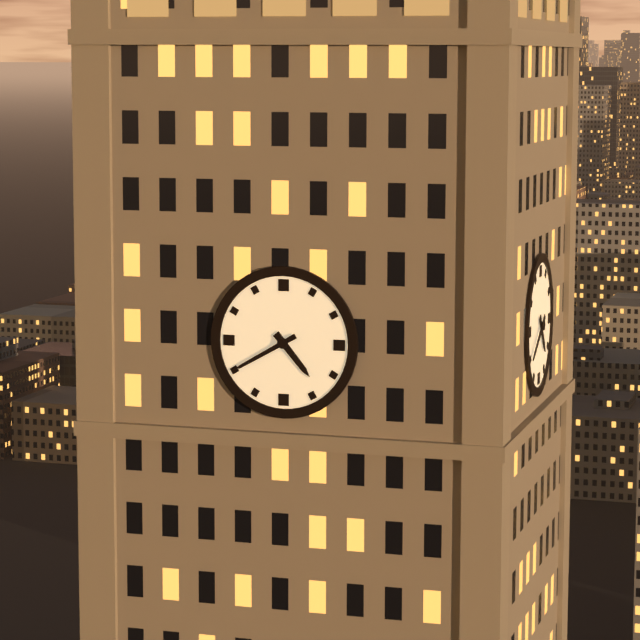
4:40
